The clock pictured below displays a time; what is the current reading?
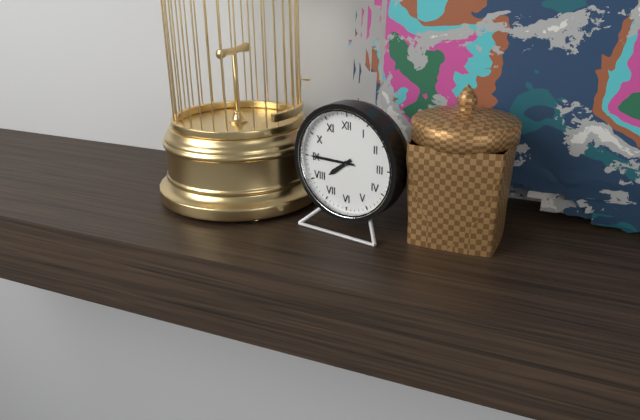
7:45
